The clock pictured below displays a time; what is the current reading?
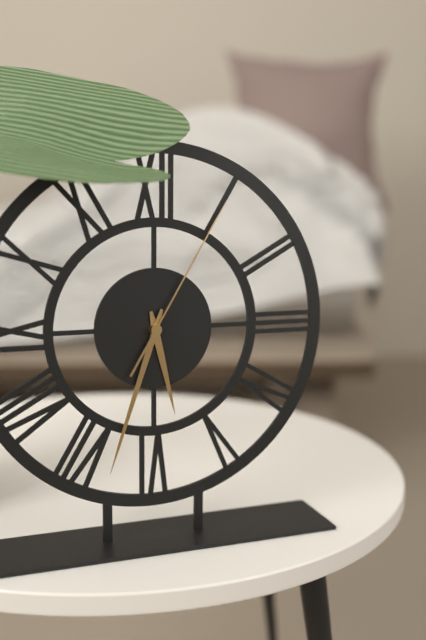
5:33:05
